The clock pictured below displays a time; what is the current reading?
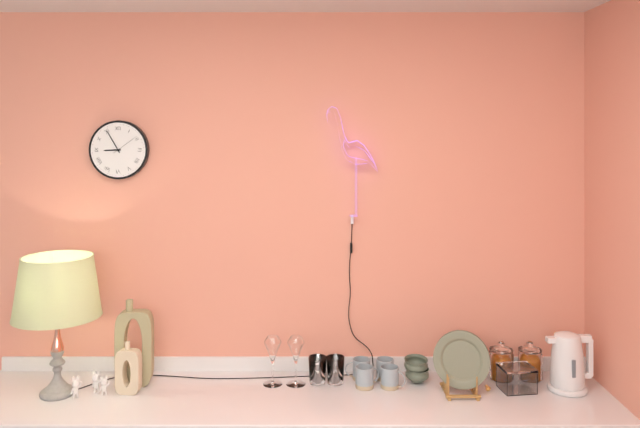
8:55
